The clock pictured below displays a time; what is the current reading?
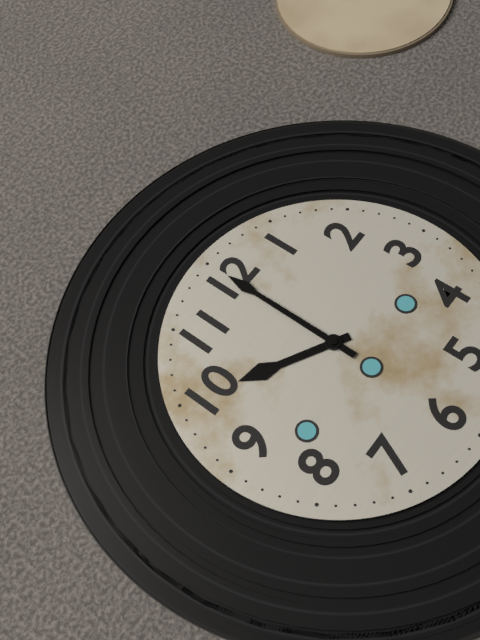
10:00
